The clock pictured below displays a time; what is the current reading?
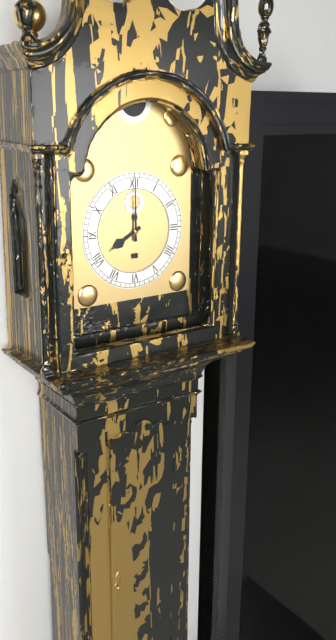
8:00
